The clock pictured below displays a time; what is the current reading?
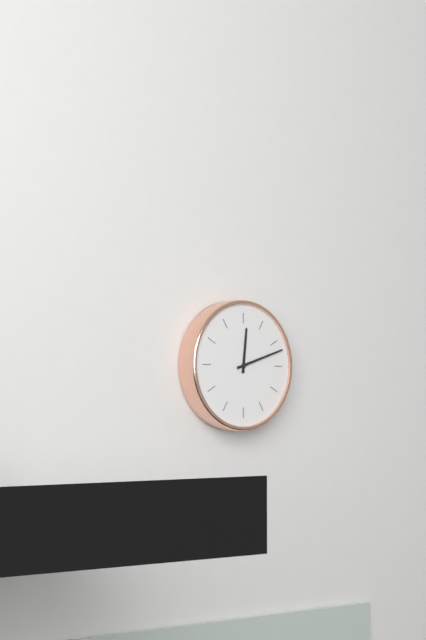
12:12
